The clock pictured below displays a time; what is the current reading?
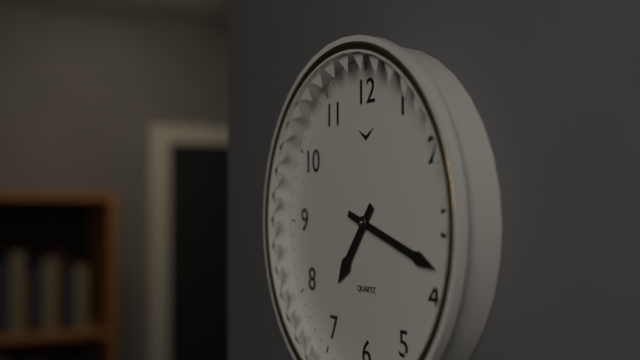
7:18
